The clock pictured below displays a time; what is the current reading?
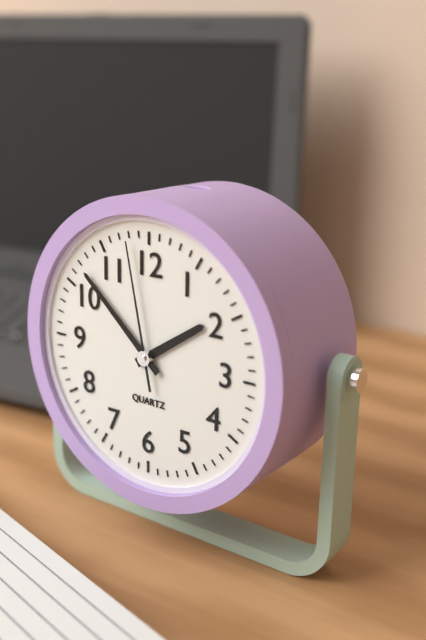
1:52:58
